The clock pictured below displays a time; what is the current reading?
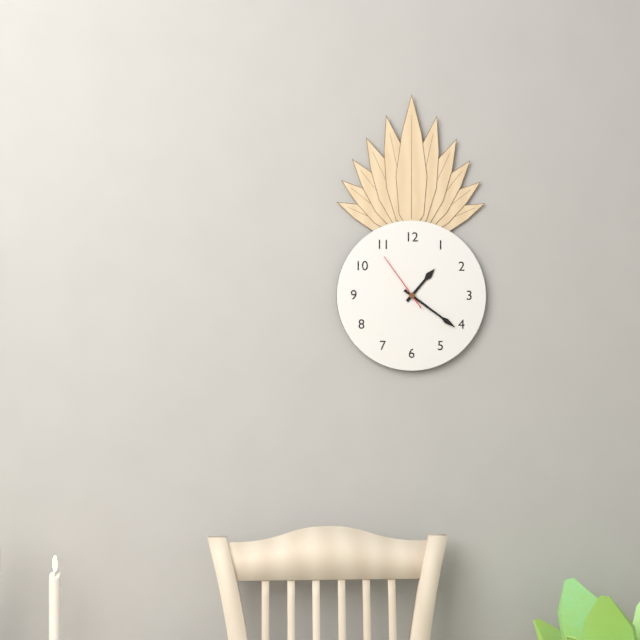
1:21:54
